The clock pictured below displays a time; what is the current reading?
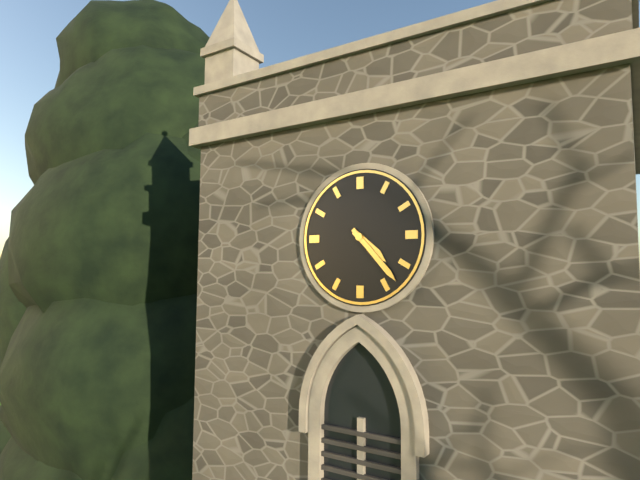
4:23
